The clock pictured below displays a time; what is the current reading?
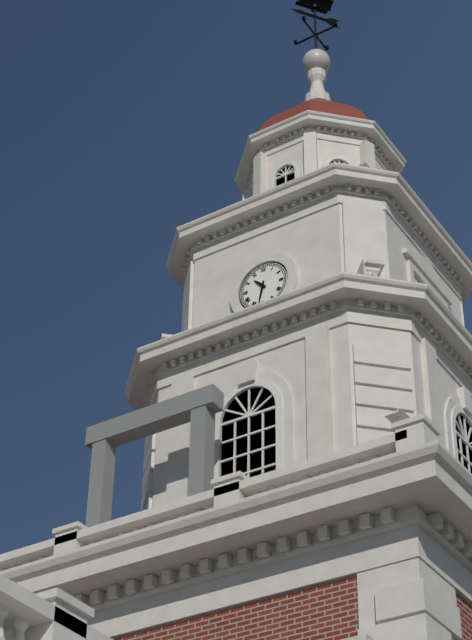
10:32
